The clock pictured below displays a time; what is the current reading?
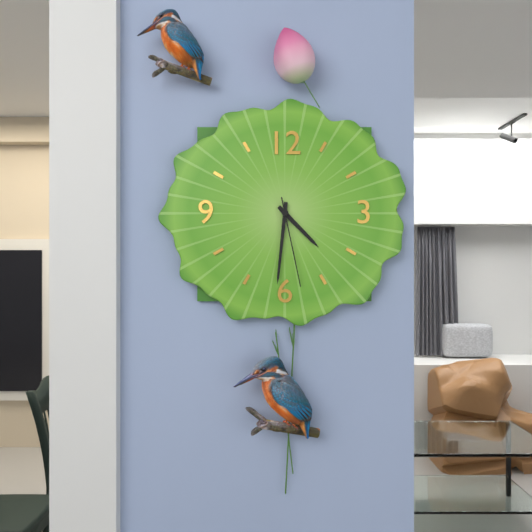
4:31:28
